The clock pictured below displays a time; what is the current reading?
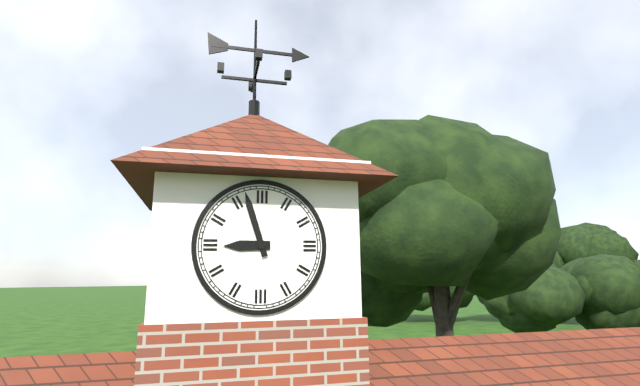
8:57
